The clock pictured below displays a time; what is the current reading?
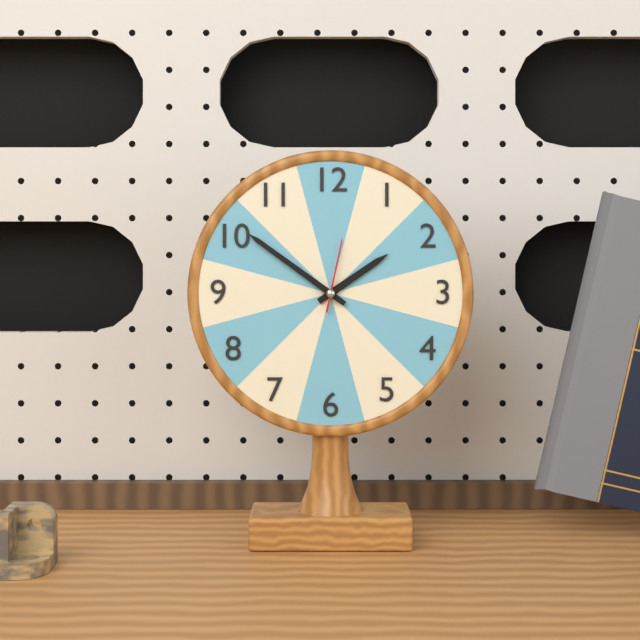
1:51:02
